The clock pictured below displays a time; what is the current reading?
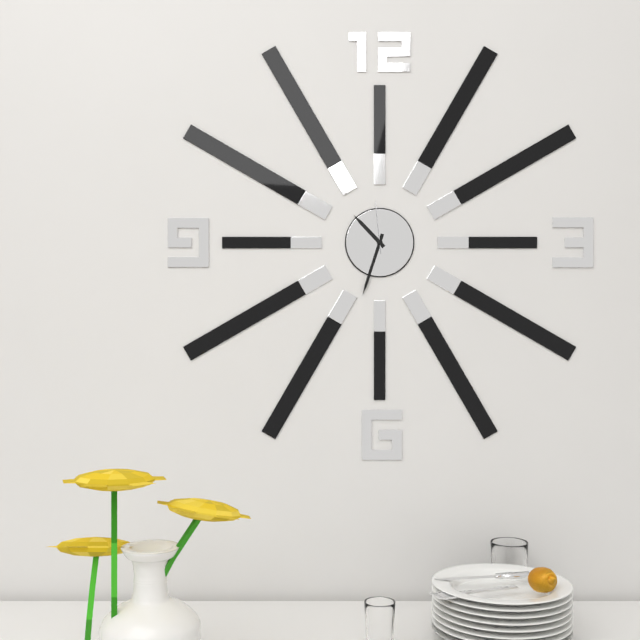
10:33:59
